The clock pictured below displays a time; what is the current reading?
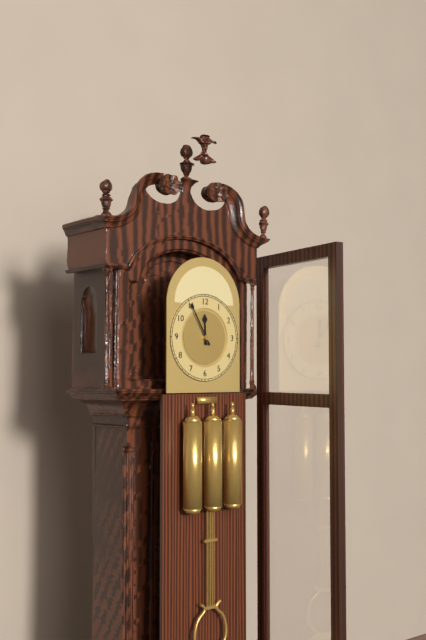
11:55
